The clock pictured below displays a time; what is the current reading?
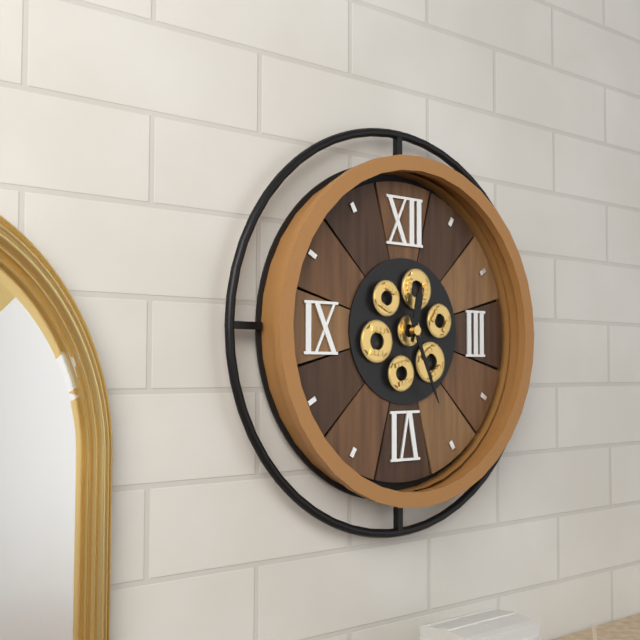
12:26
